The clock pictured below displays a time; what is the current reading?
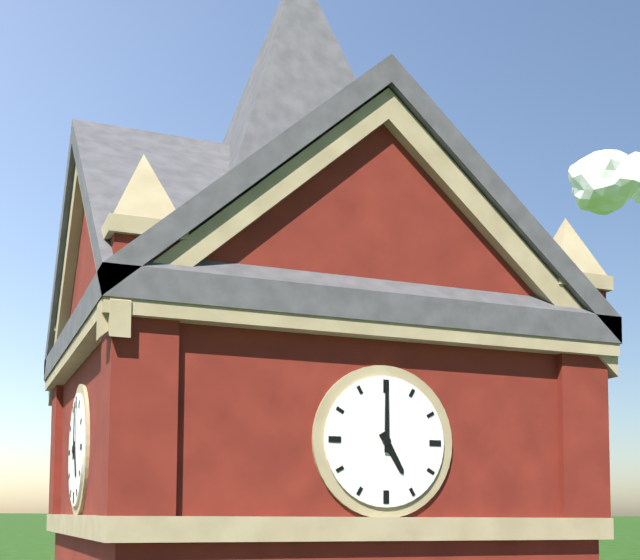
5:00
